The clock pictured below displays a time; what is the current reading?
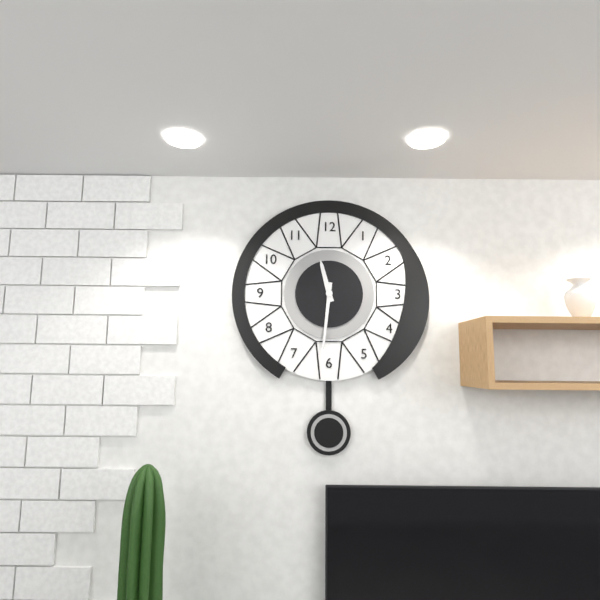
11:31
